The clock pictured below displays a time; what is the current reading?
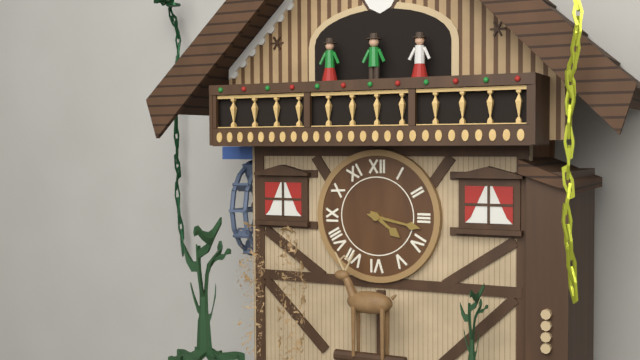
4:17
